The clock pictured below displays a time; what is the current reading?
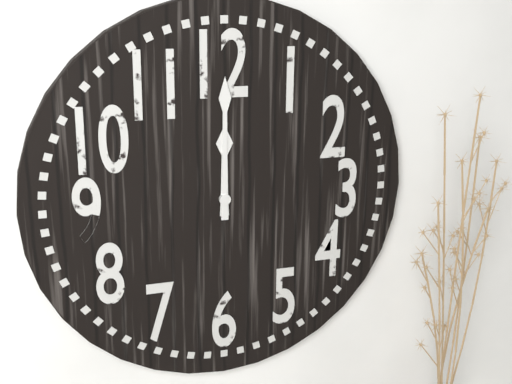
12:00
